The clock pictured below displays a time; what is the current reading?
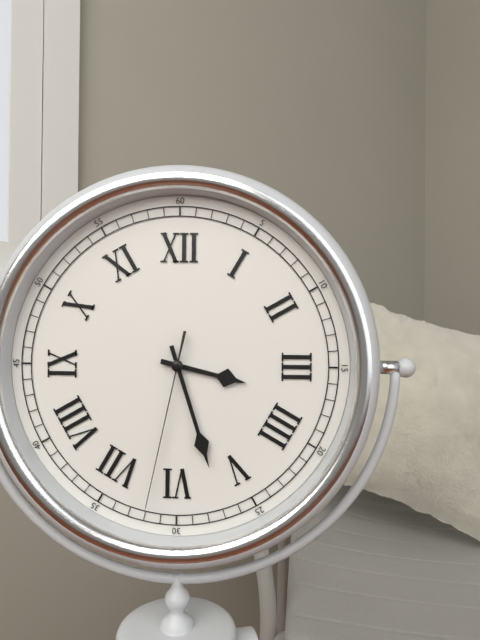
3:27:32
